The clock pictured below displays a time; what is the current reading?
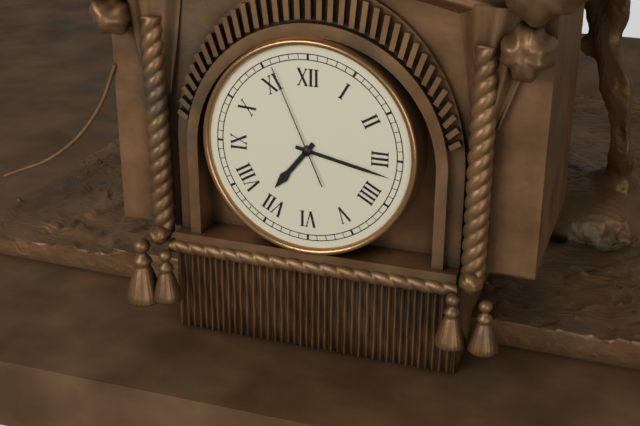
7:17:56
